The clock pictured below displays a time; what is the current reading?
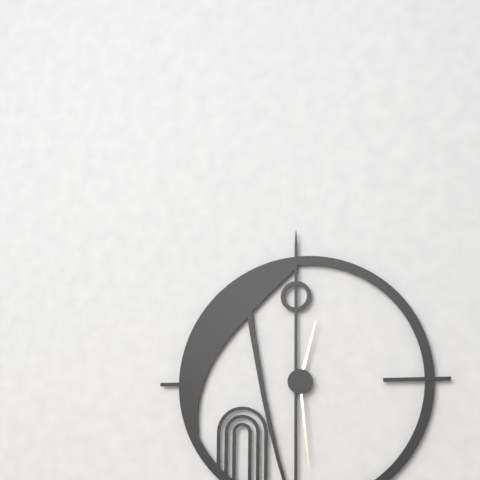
12:29
